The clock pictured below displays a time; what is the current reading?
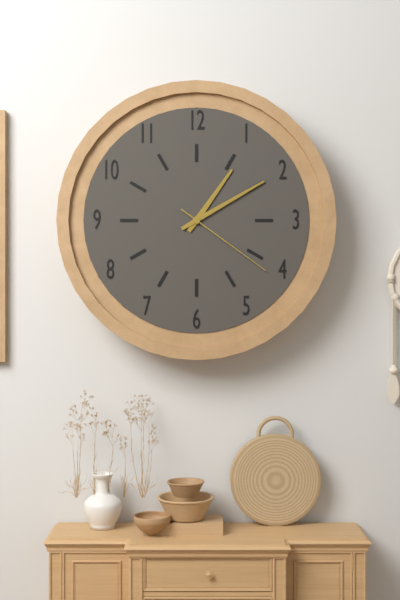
1:10:21
